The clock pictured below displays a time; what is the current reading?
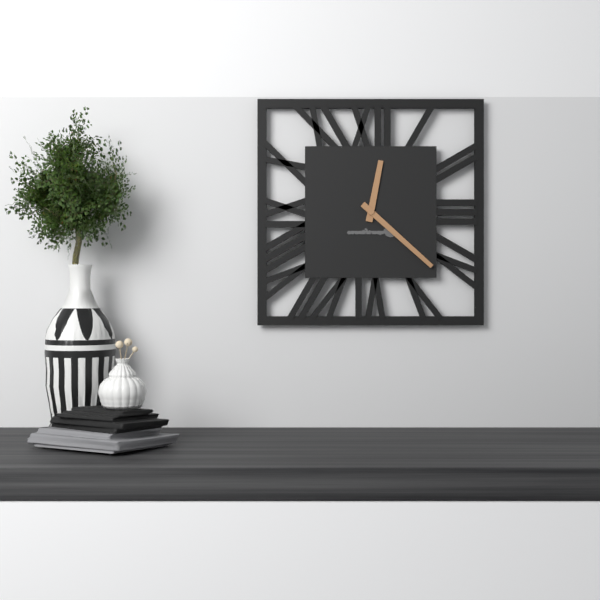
12:22
